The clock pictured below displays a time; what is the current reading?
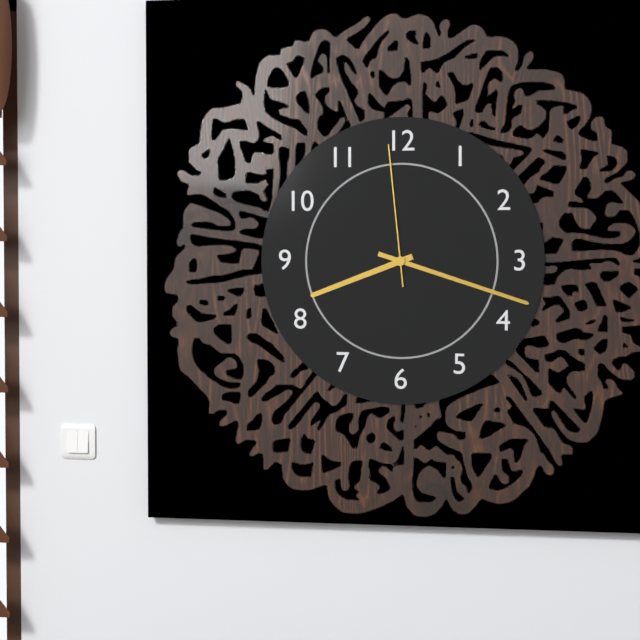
8:18:59
